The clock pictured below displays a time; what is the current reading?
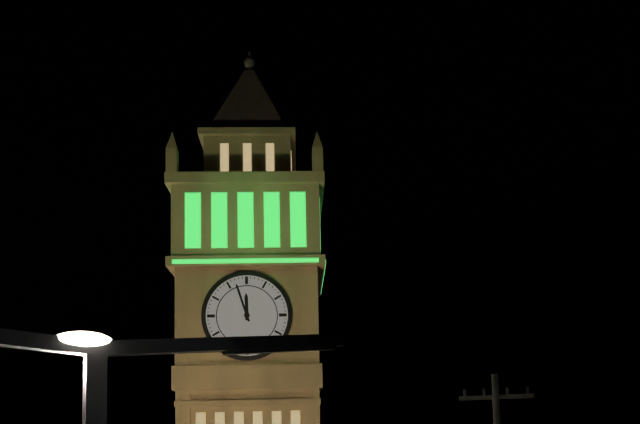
11:57
